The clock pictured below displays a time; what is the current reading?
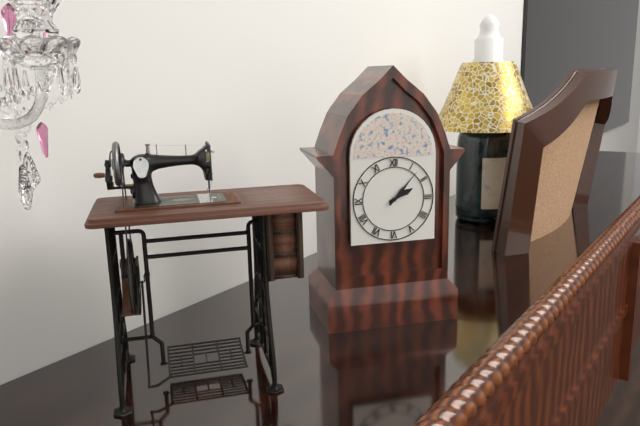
2:07
